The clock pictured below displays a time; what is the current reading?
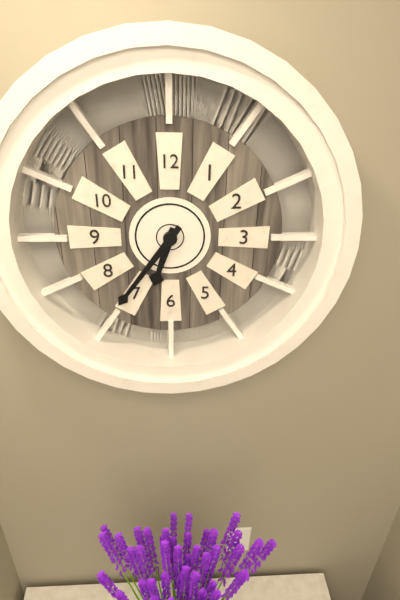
6:36
